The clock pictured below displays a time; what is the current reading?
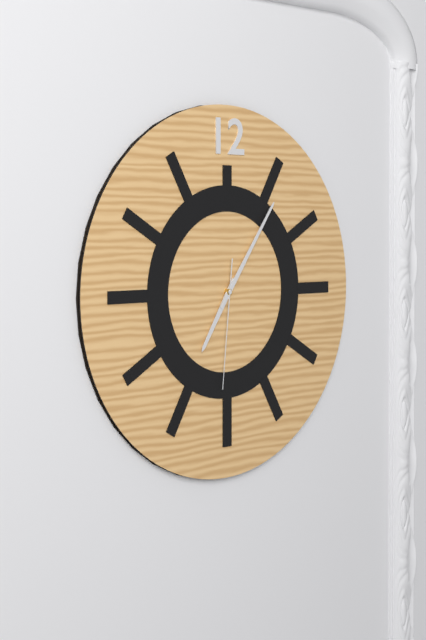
7:06:31
